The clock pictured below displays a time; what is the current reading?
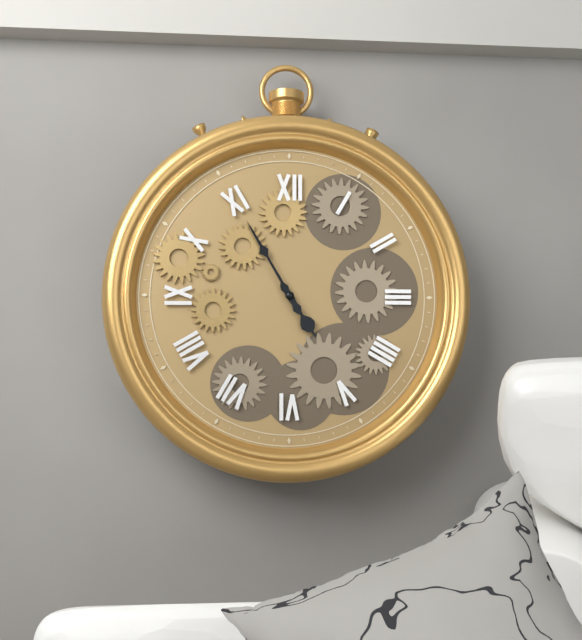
4:55
